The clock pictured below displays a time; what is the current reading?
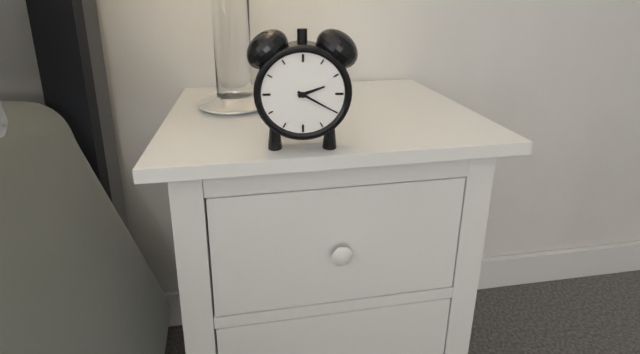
2:20
